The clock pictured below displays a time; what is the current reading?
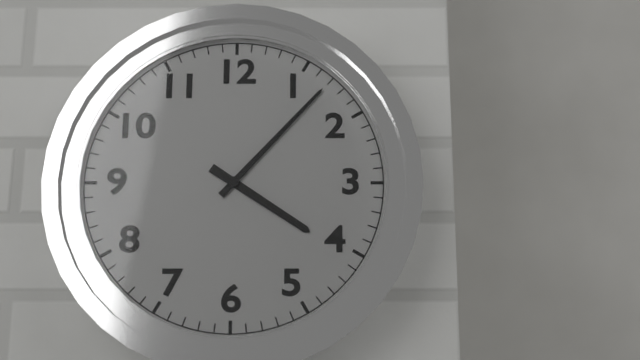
4:07
